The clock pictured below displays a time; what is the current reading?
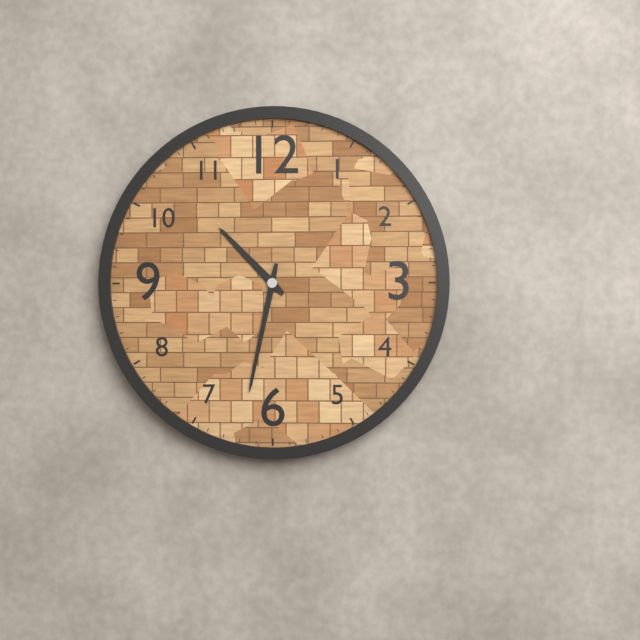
10:32
